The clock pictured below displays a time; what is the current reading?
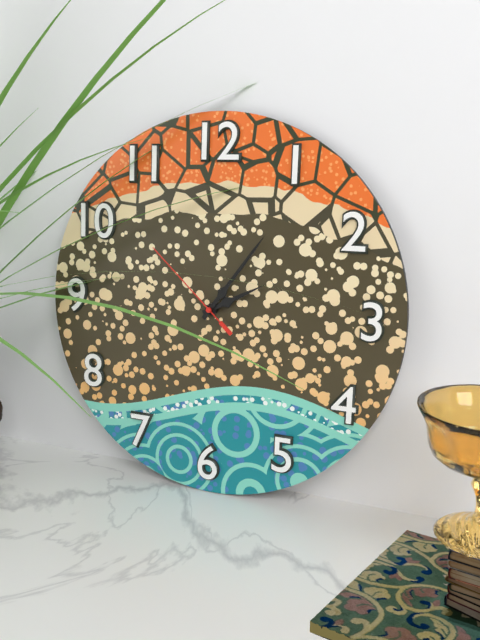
2:06:52
